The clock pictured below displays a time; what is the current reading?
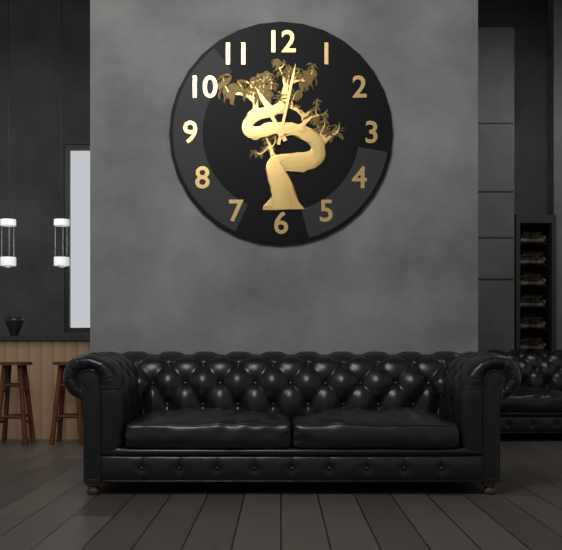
11:02
